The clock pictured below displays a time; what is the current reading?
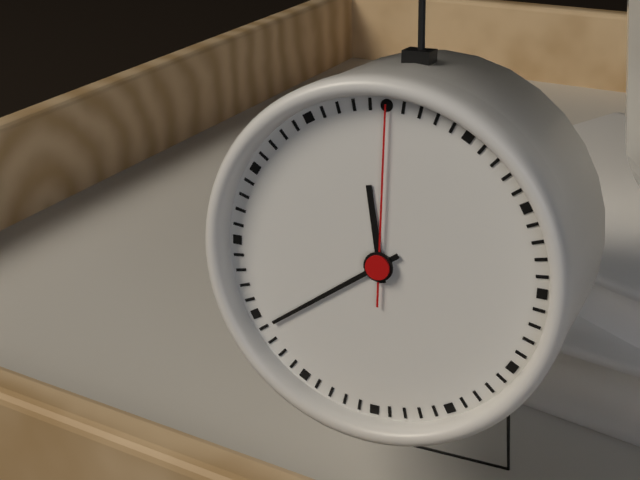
11:39:00
